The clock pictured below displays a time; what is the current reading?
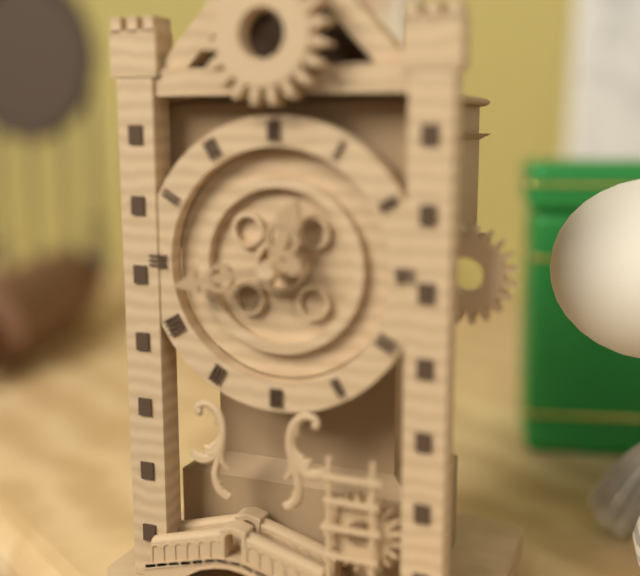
12:43
